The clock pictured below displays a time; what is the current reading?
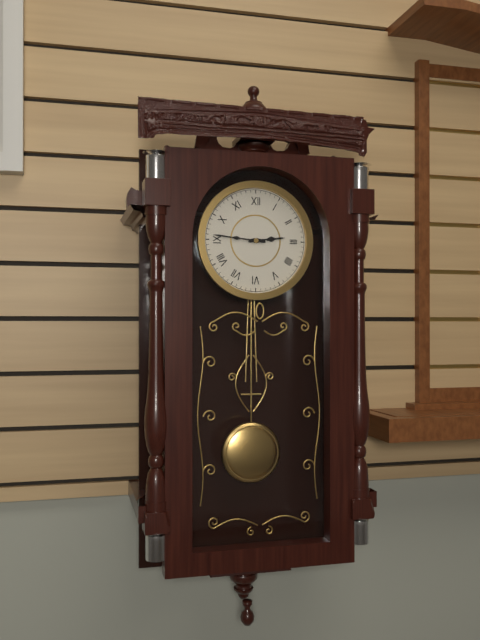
2:46
